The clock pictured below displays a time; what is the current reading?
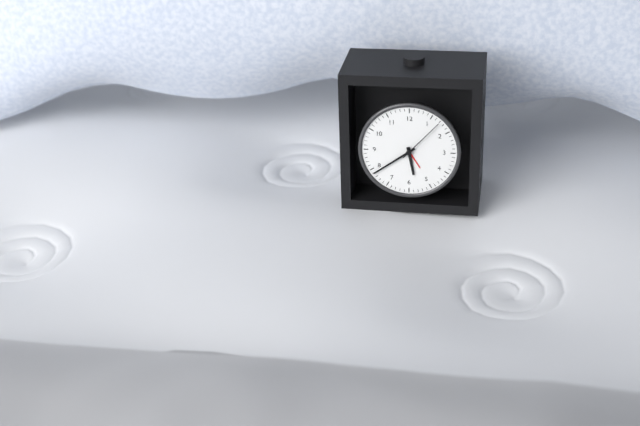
5:39:07
